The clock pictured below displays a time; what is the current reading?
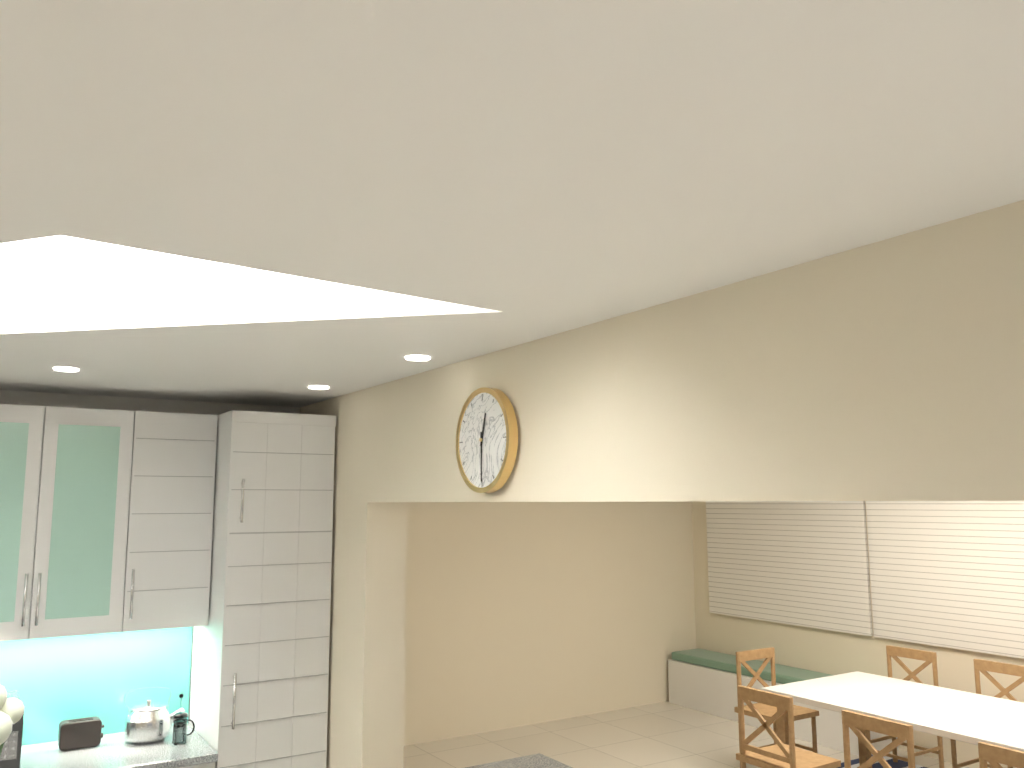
12:30
